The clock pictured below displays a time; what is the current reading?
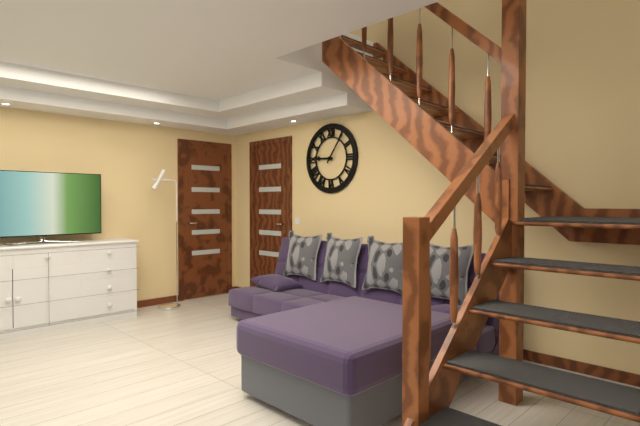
9:06
